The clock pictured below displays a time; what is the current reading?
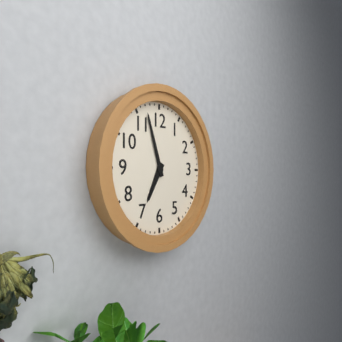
6:57
